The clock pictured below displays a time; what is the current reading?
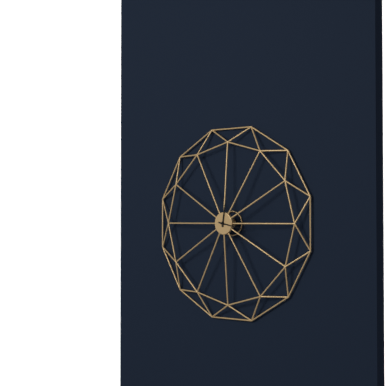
12:17
